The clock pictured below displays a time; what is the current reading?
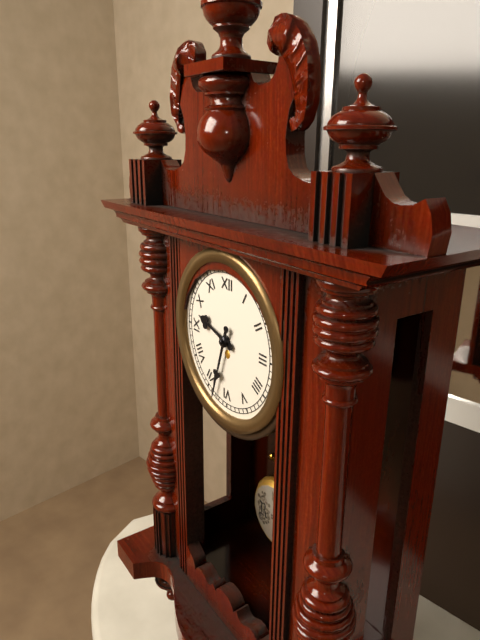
9:33
